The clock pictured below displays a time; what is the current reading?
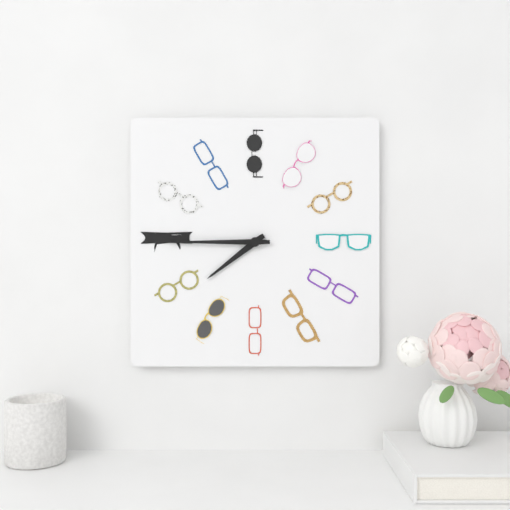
7:45
